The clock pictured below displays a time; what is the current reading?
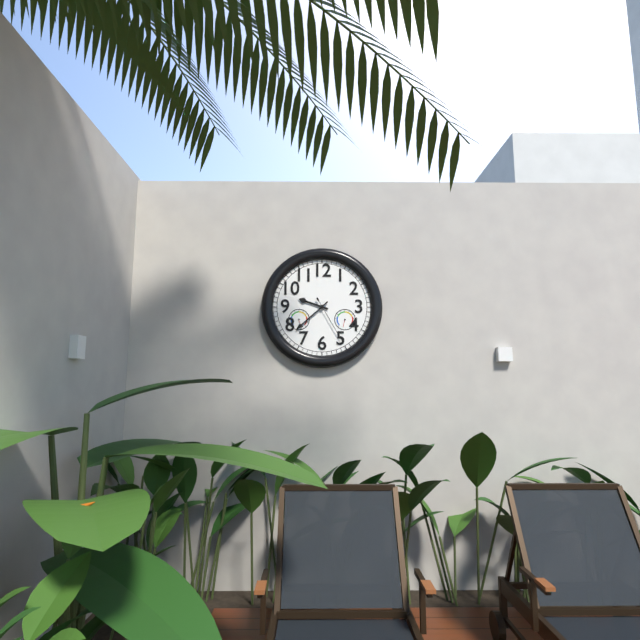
9:38:25
